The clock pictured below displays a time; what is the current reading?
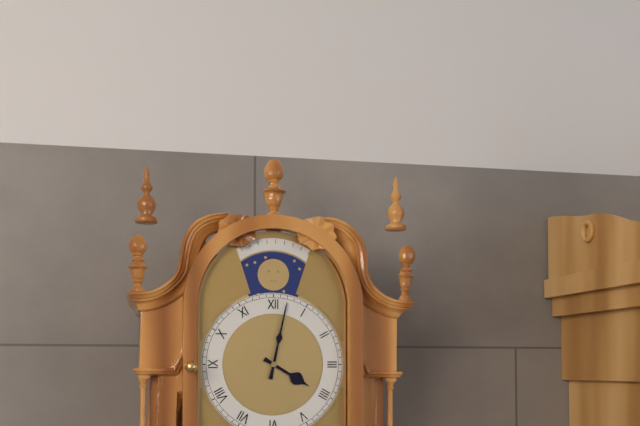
4:02
